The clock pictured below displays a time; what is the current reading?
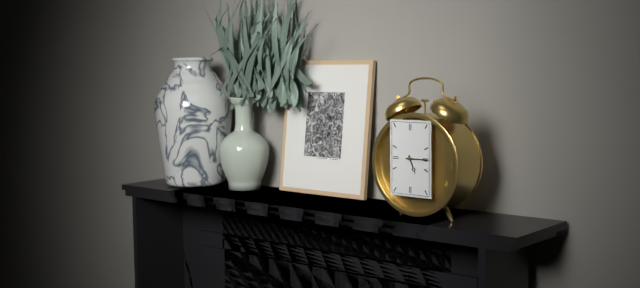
5:15
